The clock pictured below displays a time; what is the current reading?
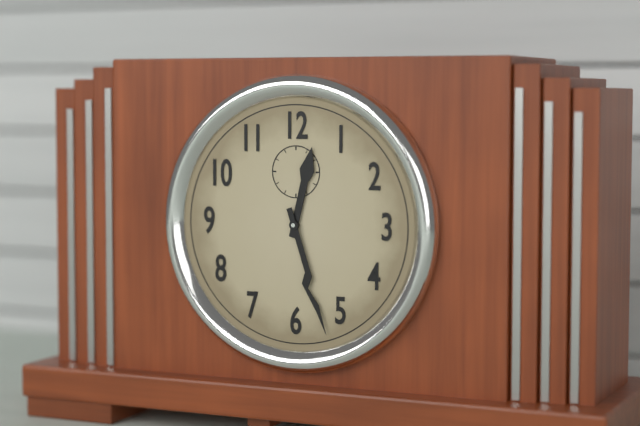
12:27
